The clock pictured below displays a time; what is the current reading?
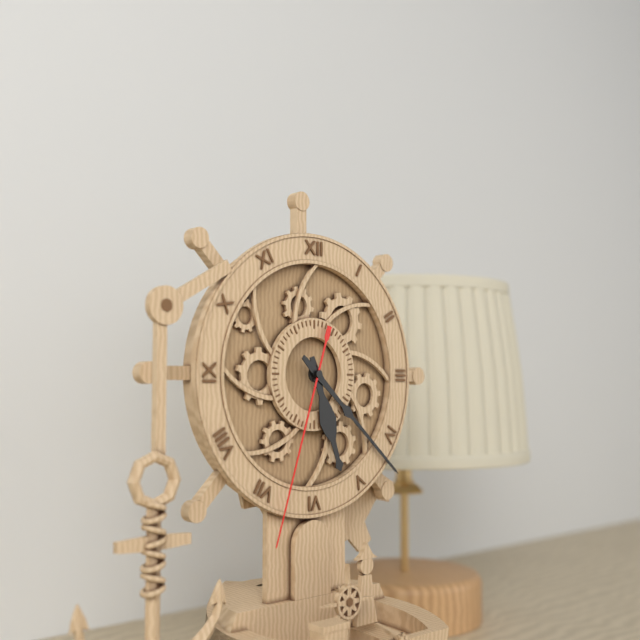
5:22:33
